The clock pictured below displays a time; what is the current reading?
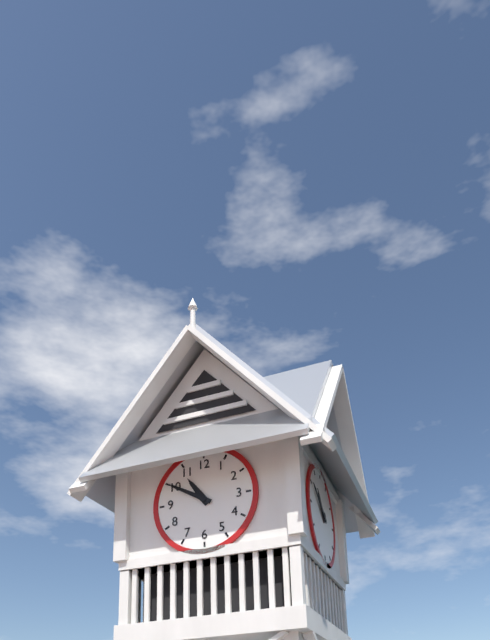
10:50
